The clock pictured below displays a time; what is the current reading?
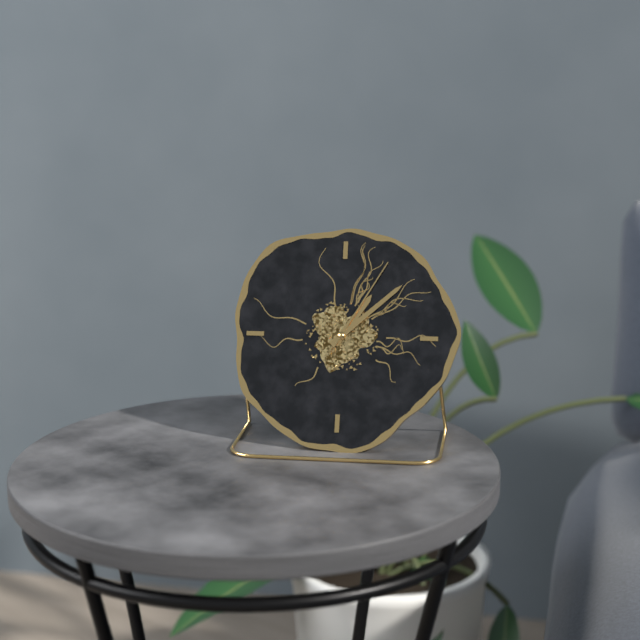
1:08:05
